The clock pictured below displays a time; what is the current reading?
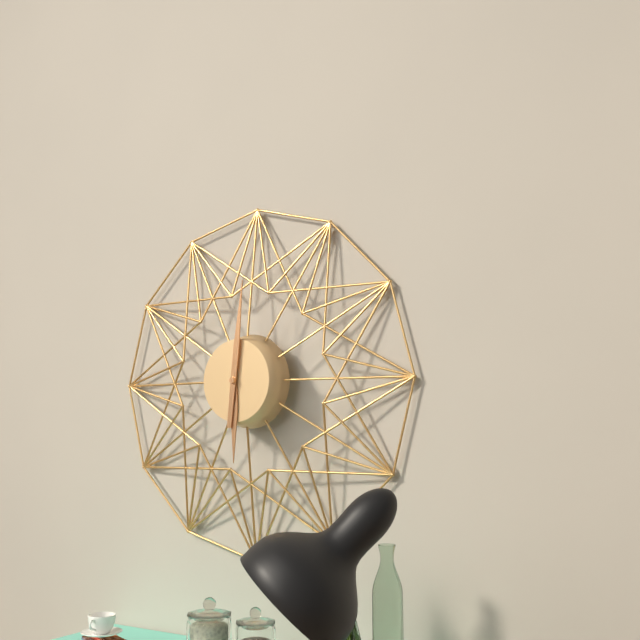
6:01
